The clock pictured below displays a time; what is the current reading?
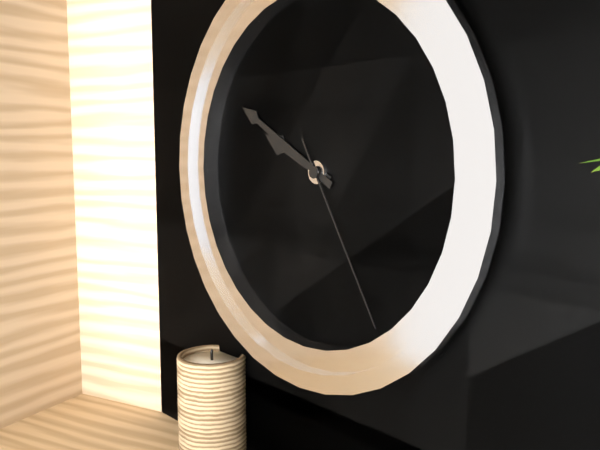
9:50:25
